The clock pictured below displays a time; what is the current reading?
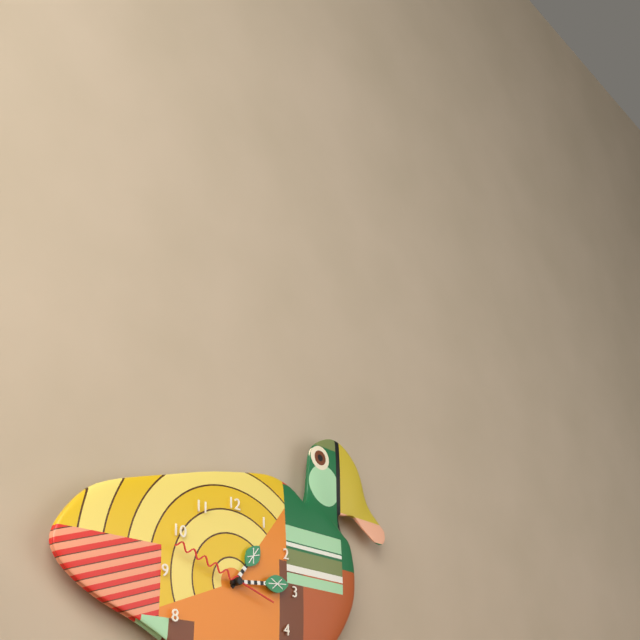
1:14:48
